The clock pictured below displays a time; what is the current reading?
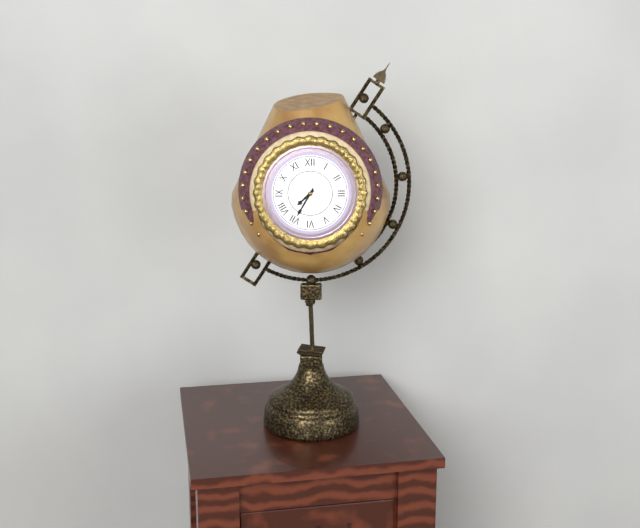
7:35
